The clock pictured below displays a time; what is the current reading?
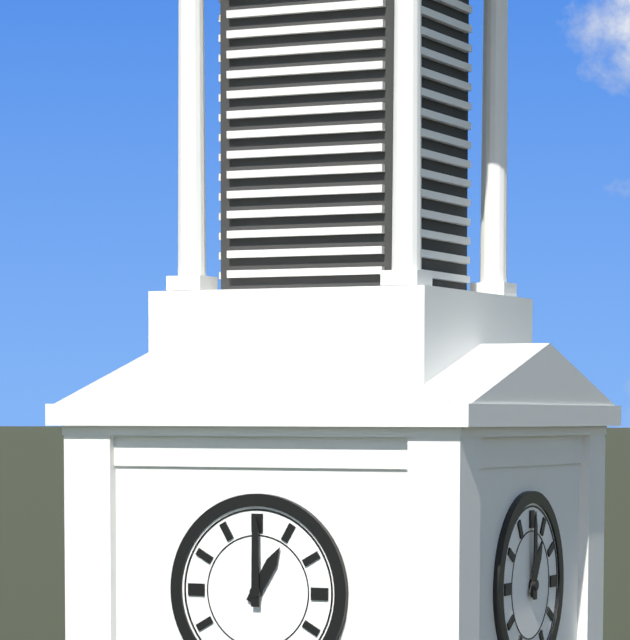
1:00
